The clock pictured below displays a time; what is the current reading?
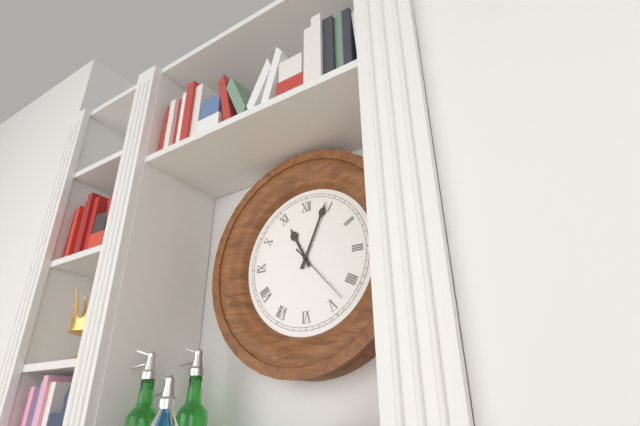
11:04:23
